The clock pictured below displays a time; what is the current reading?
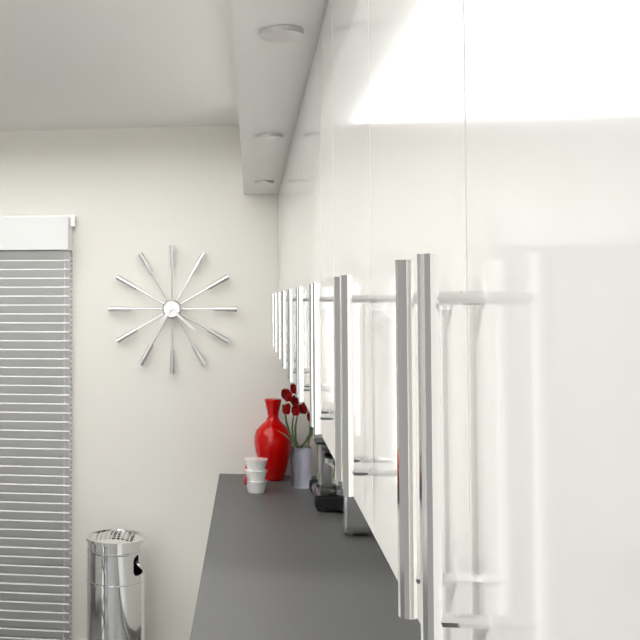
7:22
